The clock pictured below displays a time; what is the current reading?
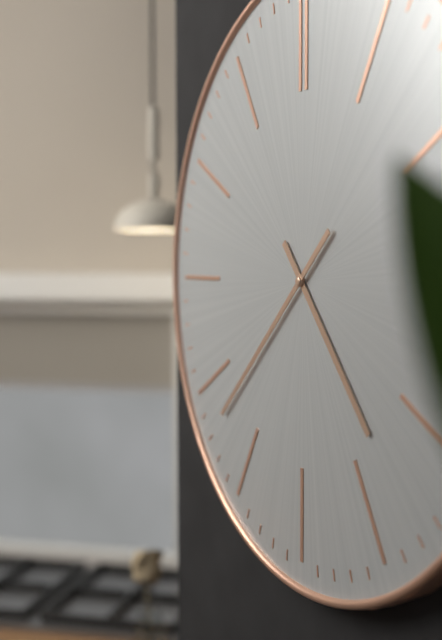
4:38
